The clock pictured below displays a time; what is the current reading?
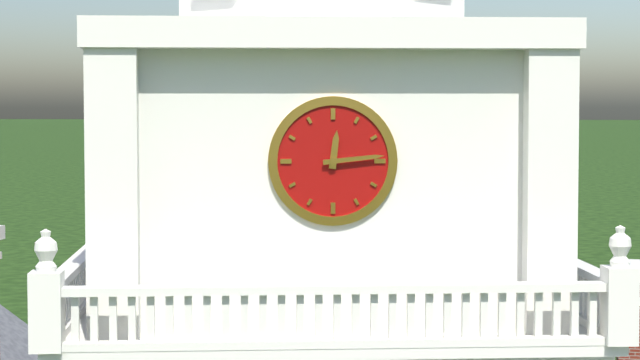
12:14
